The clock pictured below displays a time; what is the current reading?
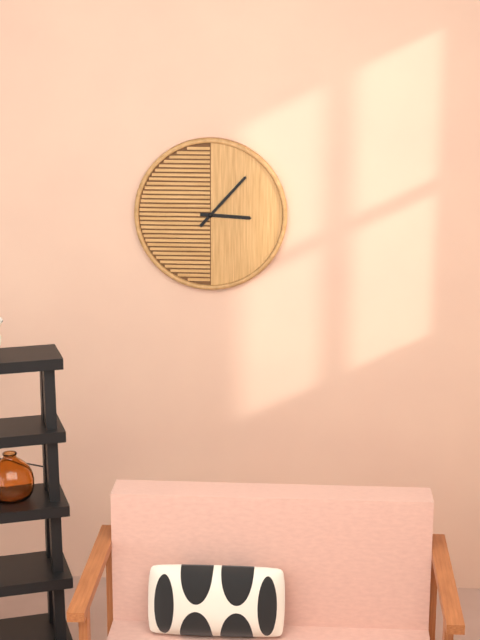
3:07
